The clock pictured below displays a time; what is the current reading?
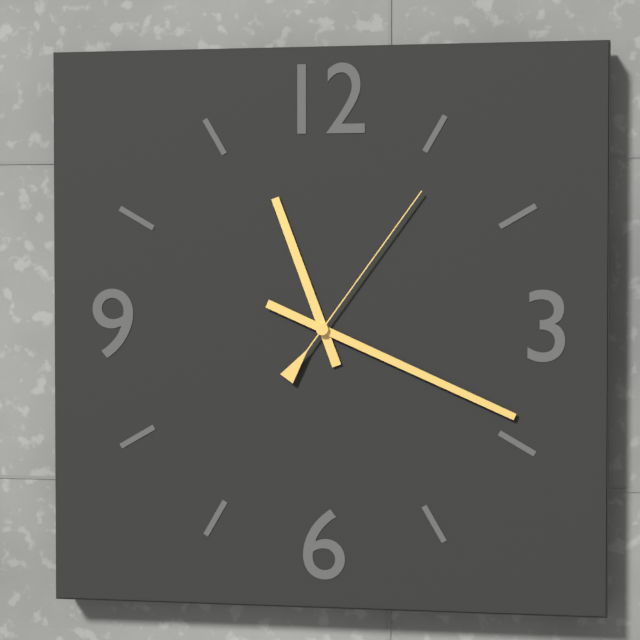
11:19:06
